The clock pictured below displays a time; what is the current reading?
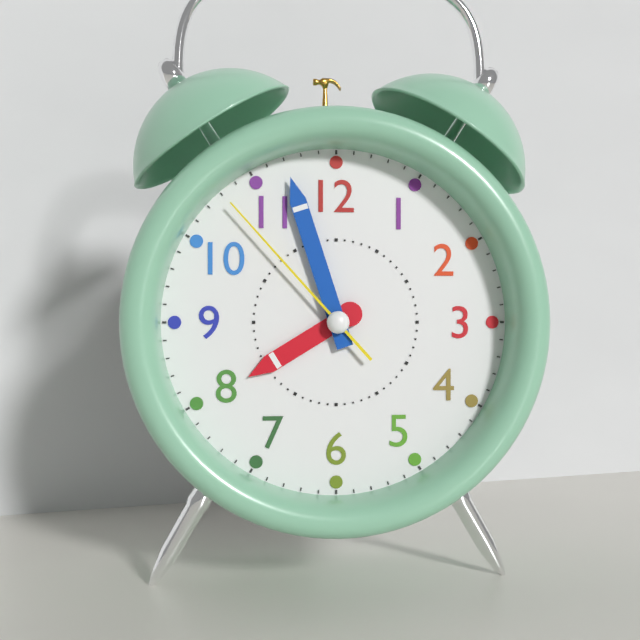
7:57:53
